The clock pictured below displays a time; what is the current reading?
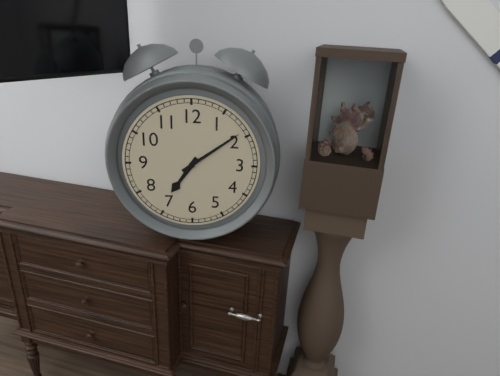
7:09
